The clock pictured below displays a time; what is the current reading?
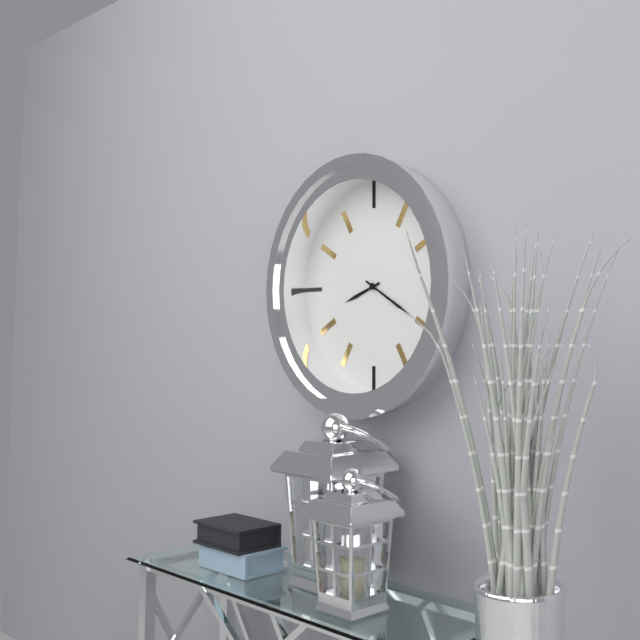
8:20
